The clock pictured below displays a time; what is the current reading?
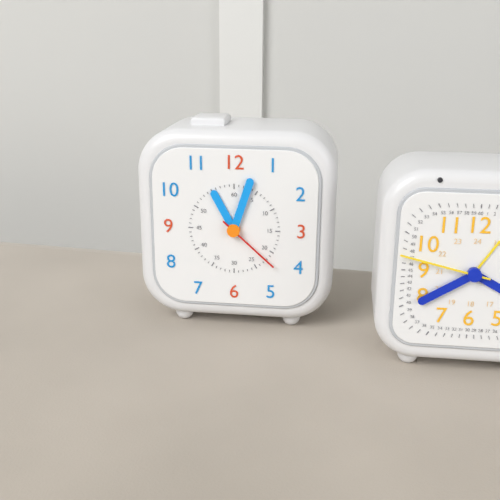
11:03:22
